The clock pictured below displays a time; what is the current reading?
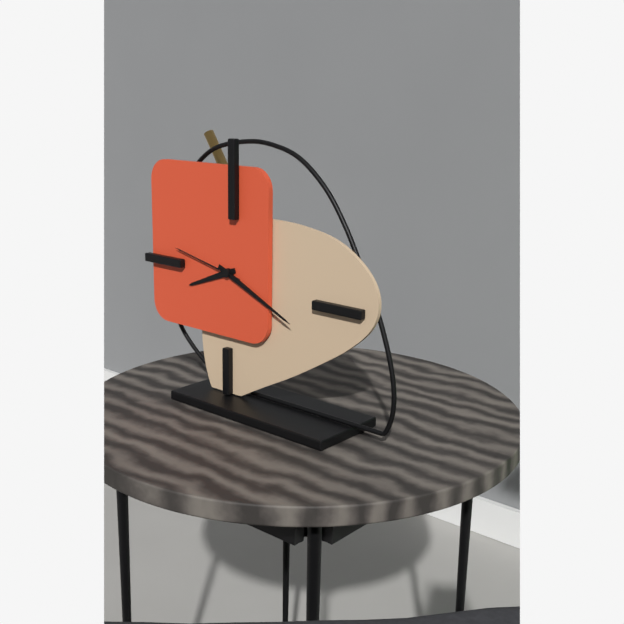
8:19:47
